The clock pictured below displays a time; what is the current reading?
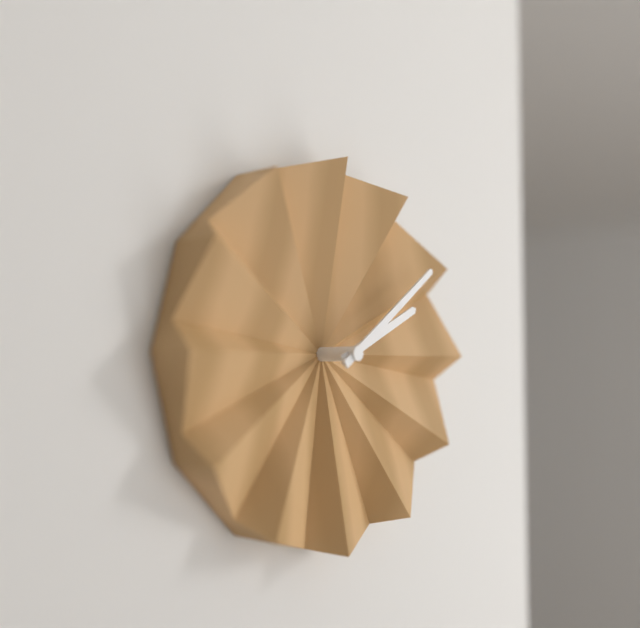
2:09
